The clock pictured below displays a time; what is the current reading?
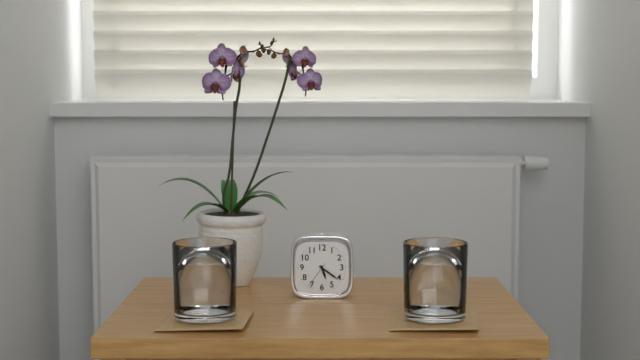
5:21
